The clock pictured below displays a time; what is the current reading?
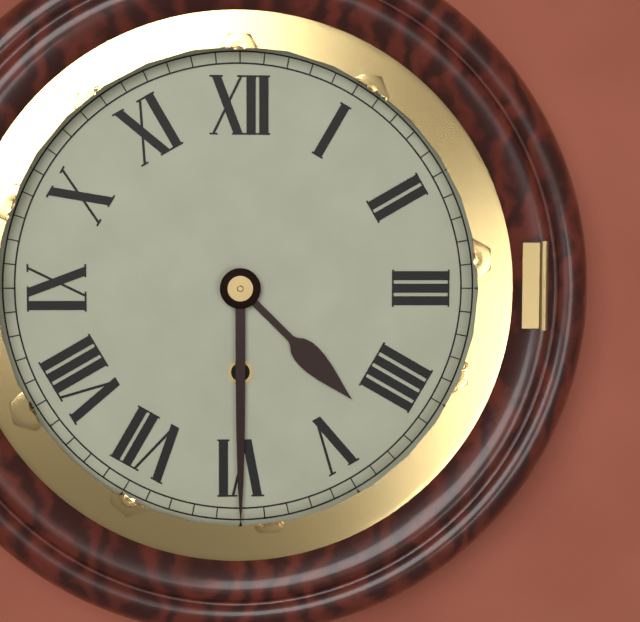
4:30
